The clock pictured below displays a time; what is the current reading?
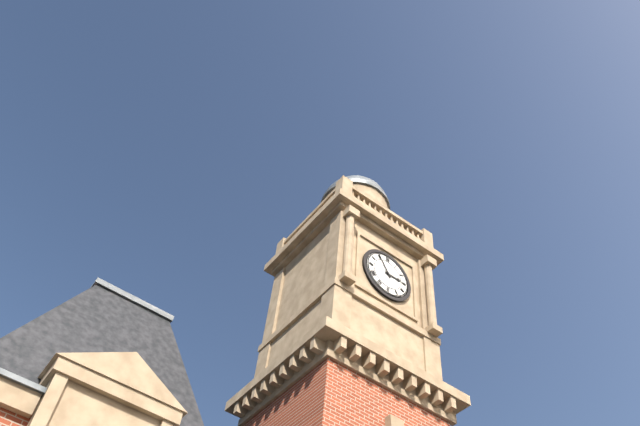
2:55
